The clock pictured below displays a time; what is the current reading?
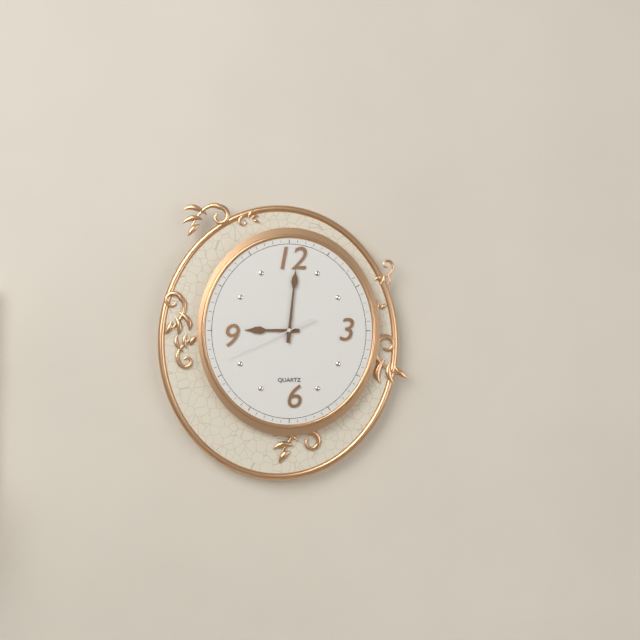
9:01:41
